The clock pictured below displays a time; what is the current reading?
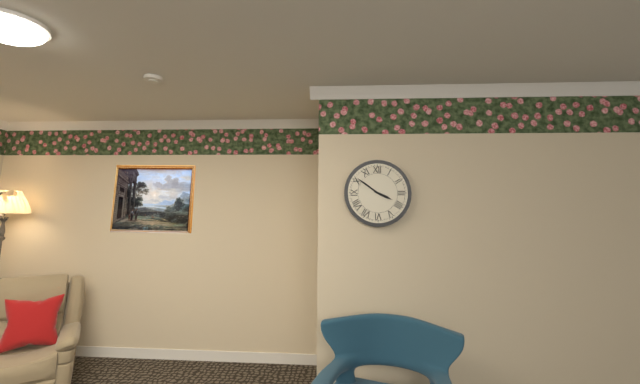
3:51
